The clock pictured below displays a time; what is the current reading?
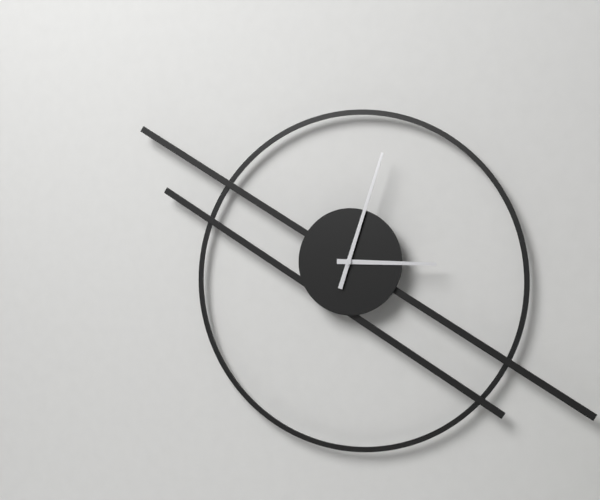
3:03
